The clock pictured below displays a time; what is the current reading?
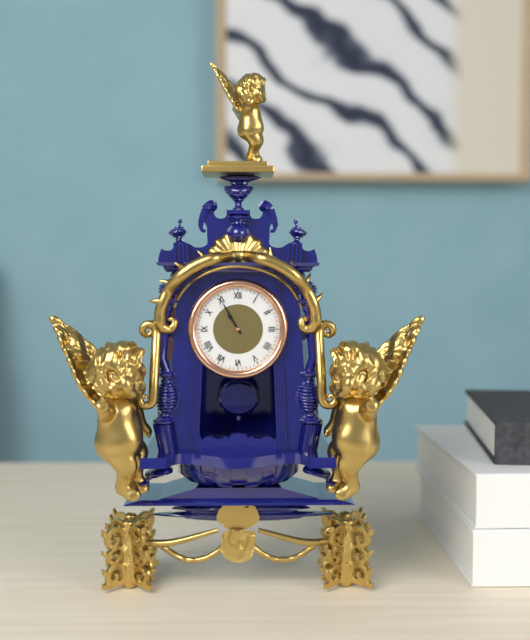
10:55
